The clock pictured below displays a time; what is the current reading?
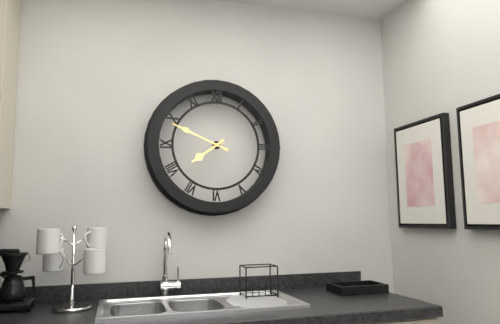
7:49
